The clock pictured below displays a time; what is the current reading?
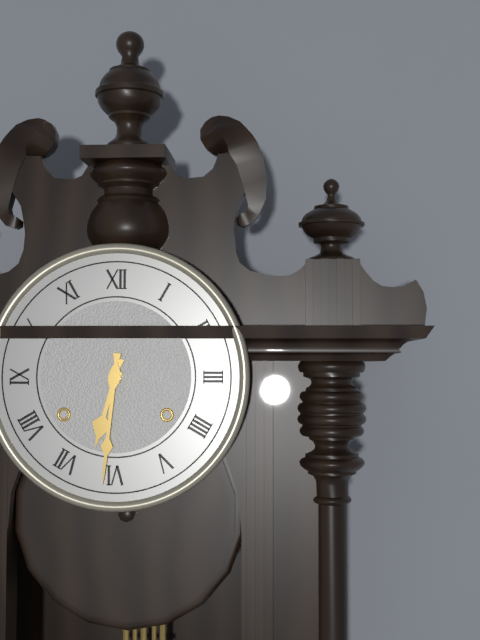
6:31
